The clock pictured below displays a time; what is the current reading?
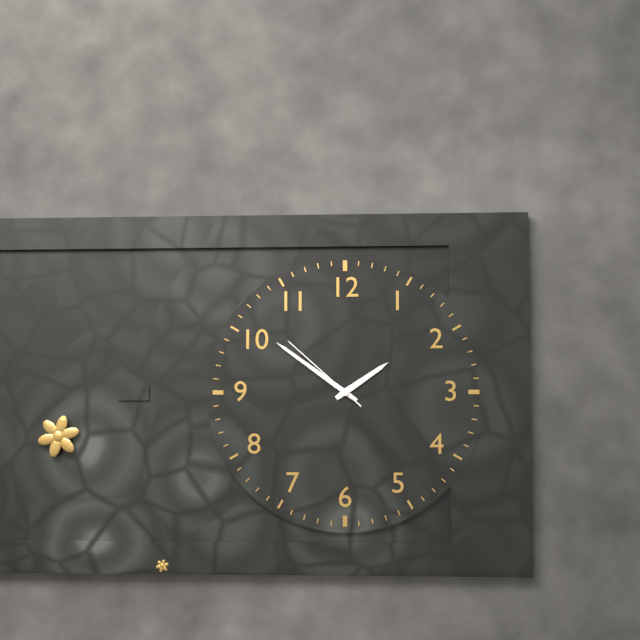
1:51:52
